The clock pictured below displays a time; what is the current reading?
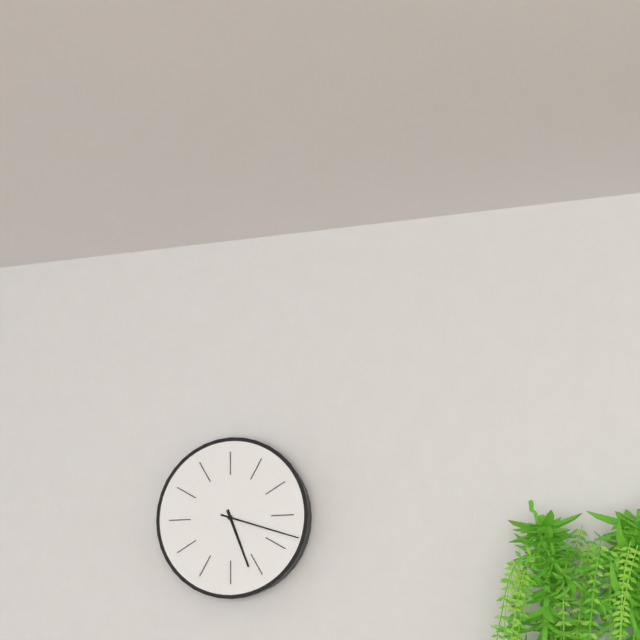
5:18
